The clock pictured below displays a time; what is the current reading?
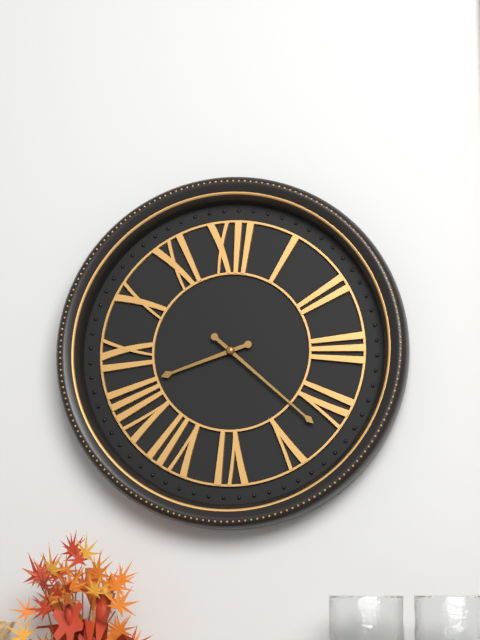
8:22
